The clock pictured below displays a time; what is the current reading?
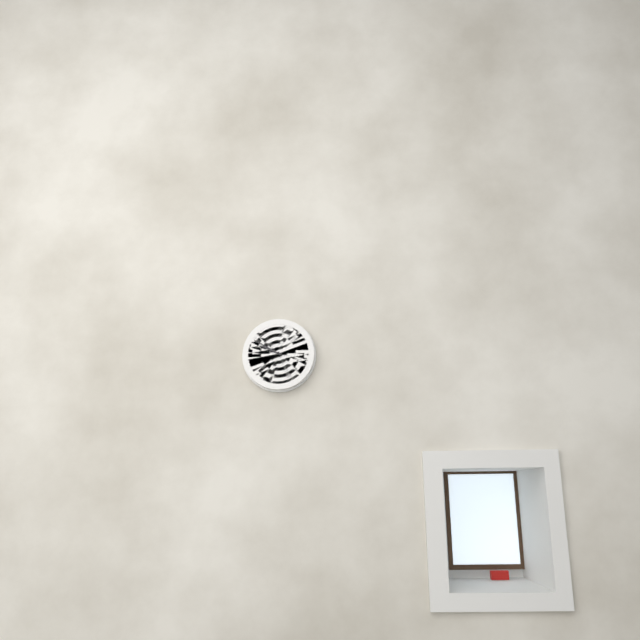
9:50
